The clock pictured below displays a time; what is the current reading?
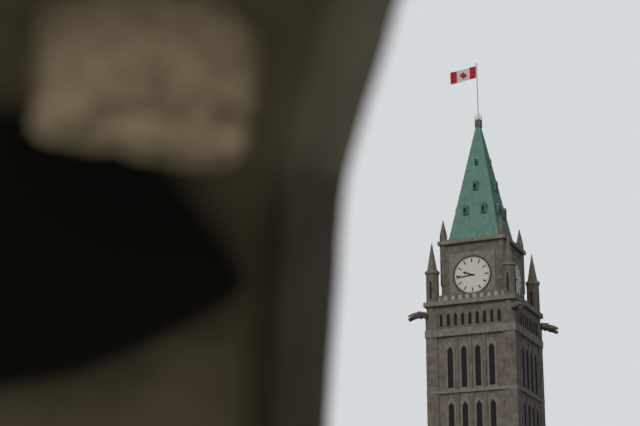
9:44
